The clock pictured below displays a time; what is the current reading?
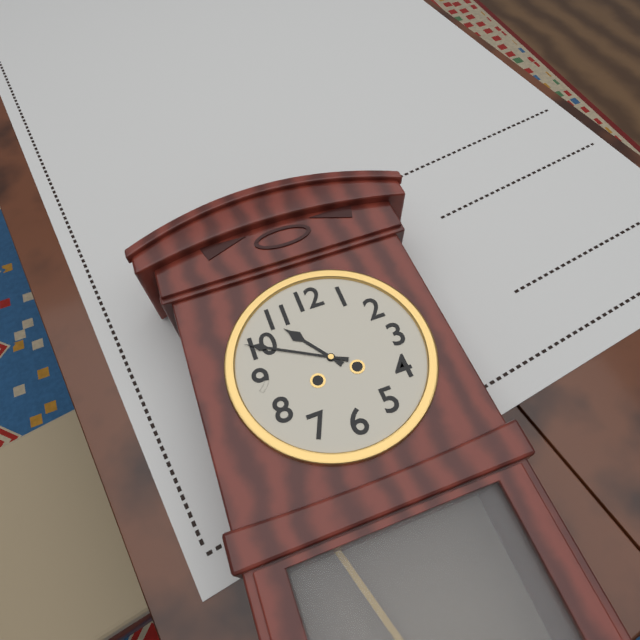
10:50
